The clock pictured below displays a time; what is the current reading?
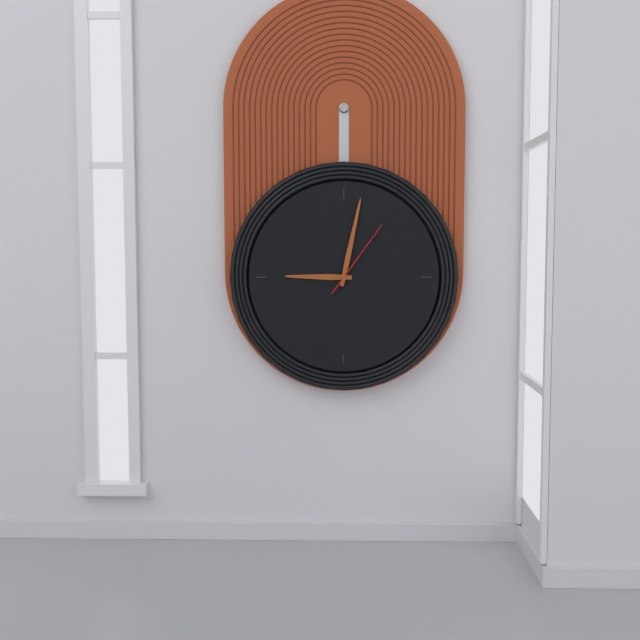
9:02:06
